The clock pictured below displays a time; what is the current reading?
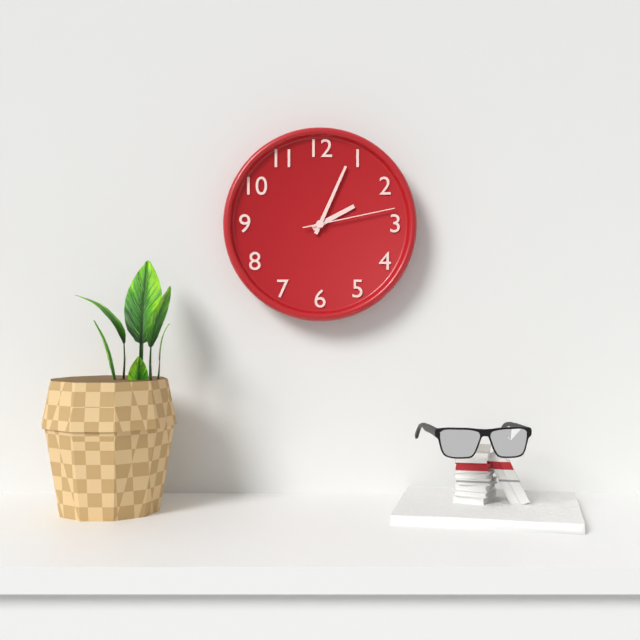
2:04:13
